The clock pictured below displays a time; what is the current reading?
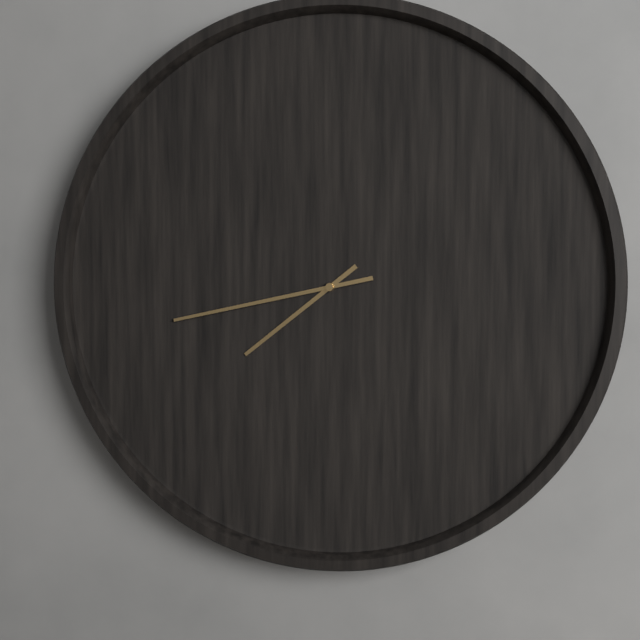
7:43
